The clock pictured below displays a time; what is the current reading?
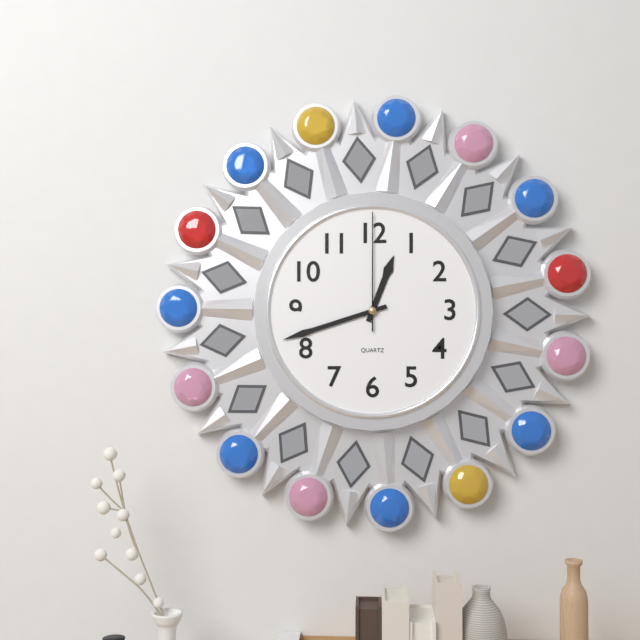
12:42:00
